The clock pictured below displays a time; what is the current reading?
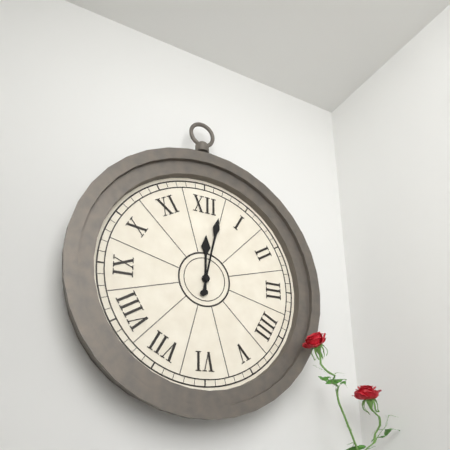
12:02
